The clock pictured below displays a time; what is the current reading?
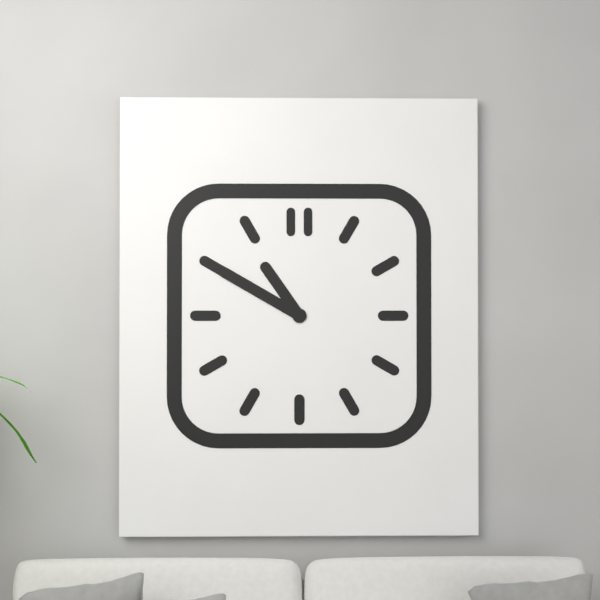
10:50
